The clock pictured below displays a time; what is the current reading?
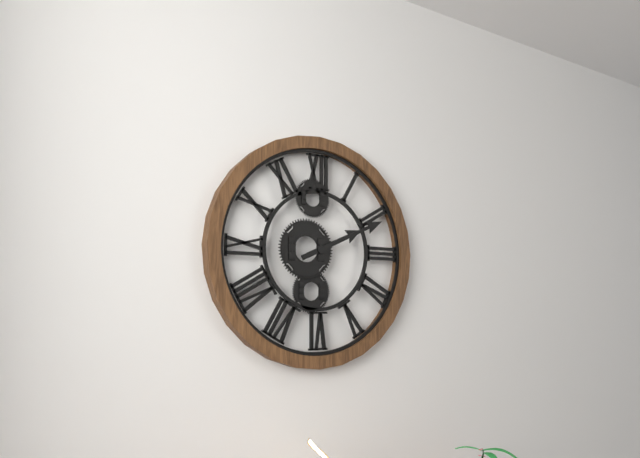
2:11
